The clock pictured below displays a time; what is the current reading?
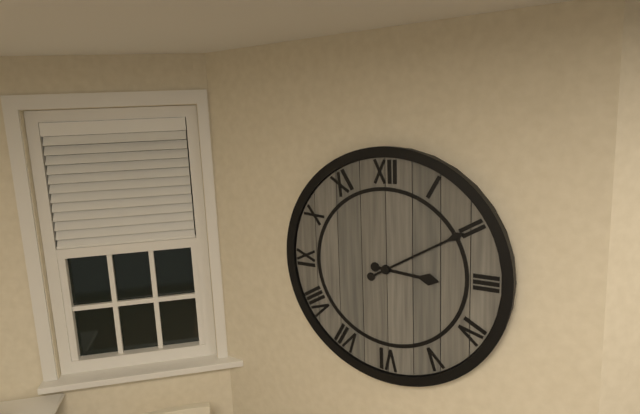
3:10
